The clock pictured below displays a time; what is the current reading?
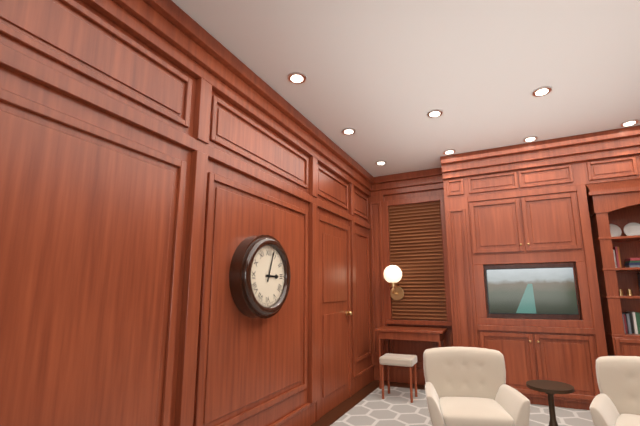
3:03
